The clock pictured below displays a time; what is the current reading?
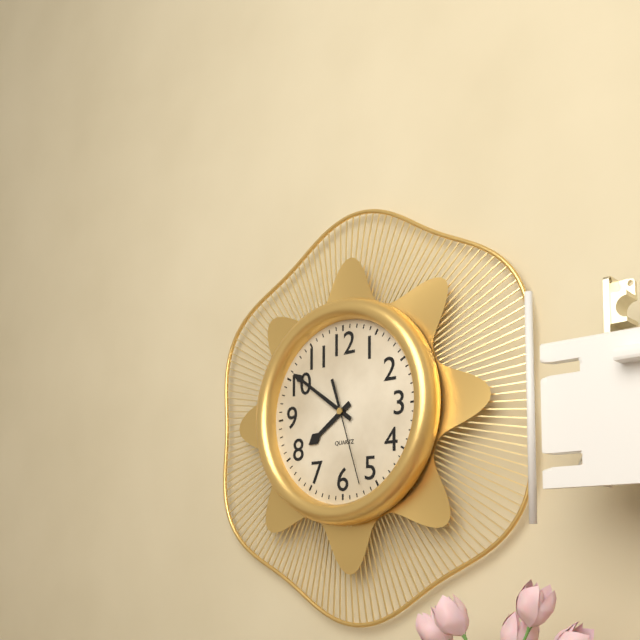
7:51:27
